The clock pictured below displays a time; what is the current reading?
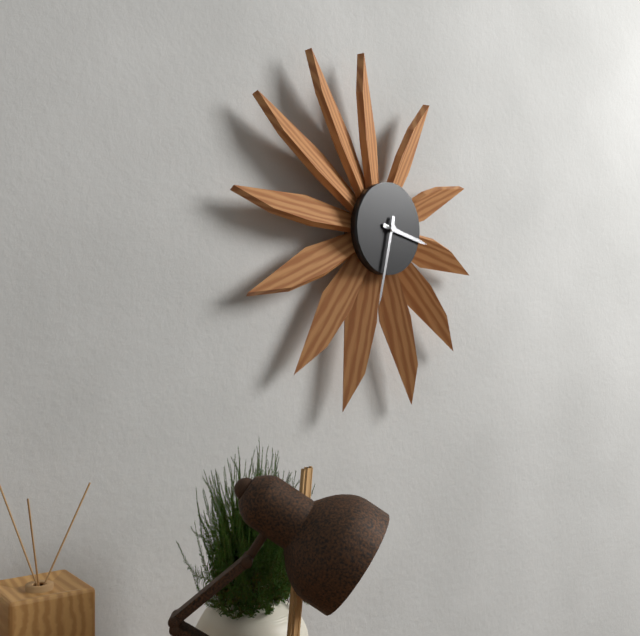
3:32
